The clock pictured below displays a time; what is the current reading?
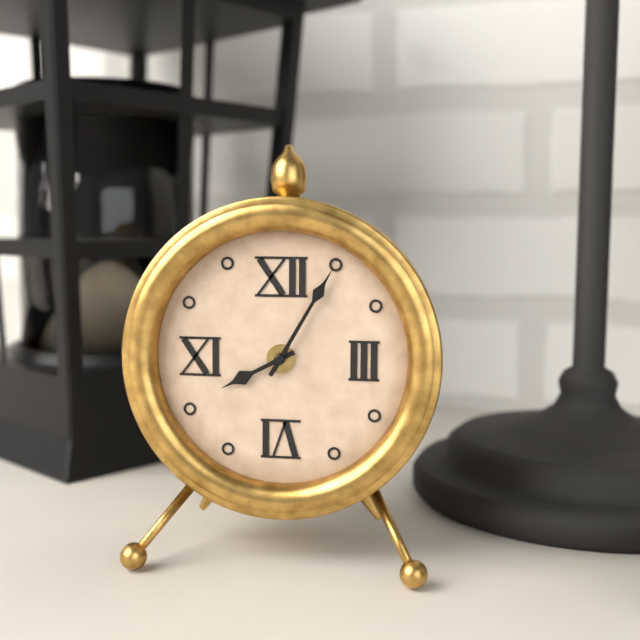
8:05
